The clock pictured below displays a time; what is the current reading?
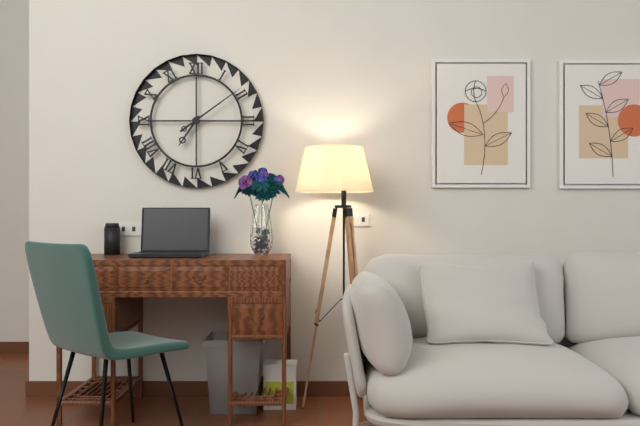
7:09
